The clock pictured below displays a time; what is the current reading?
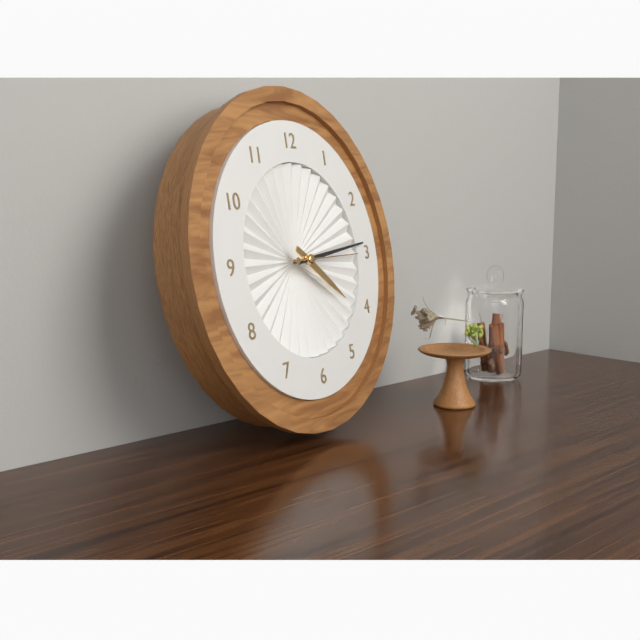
4:14:15
